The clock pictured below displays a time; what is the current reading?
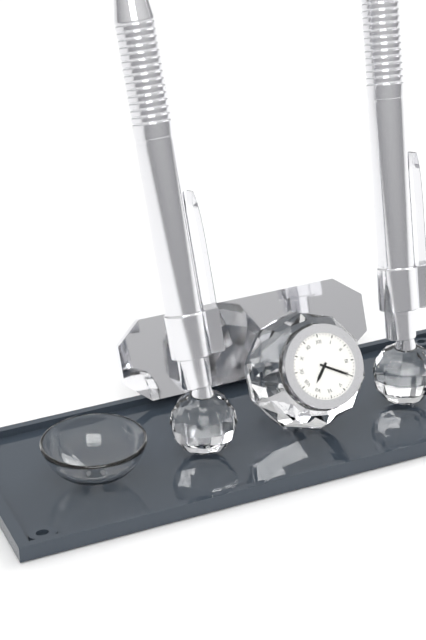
7:20
